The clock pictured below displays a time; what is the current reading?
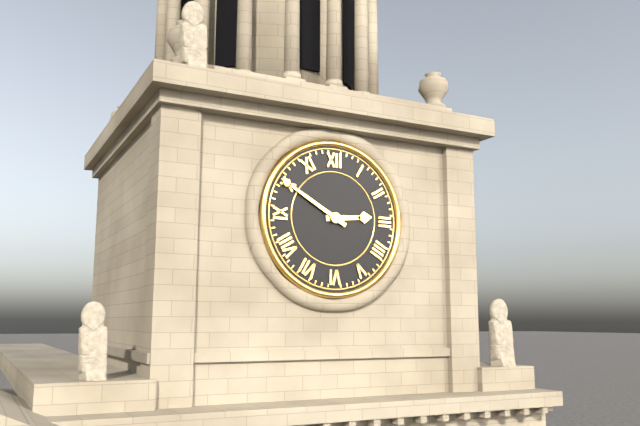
2:50
